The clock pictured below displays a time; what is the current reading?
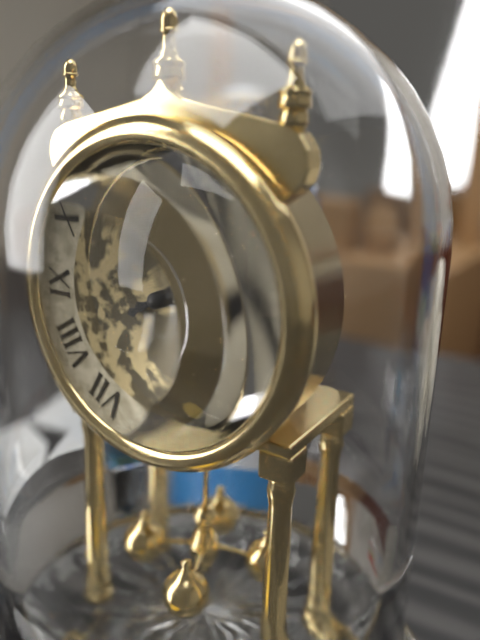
2:10
